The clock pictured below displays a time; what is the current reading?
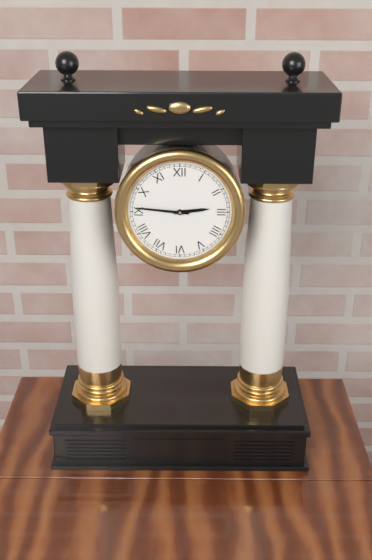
2:46
